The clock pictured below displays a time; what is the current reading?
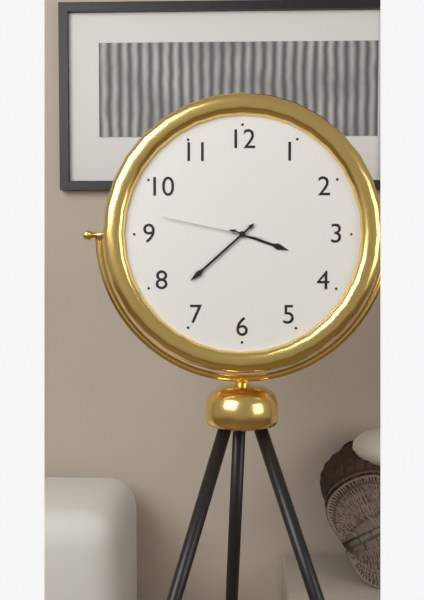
3:38:47
